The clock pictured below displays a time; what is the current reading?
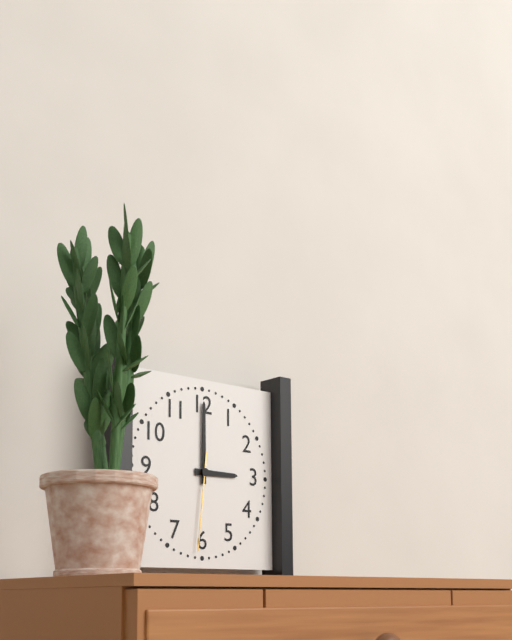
3:00:31
